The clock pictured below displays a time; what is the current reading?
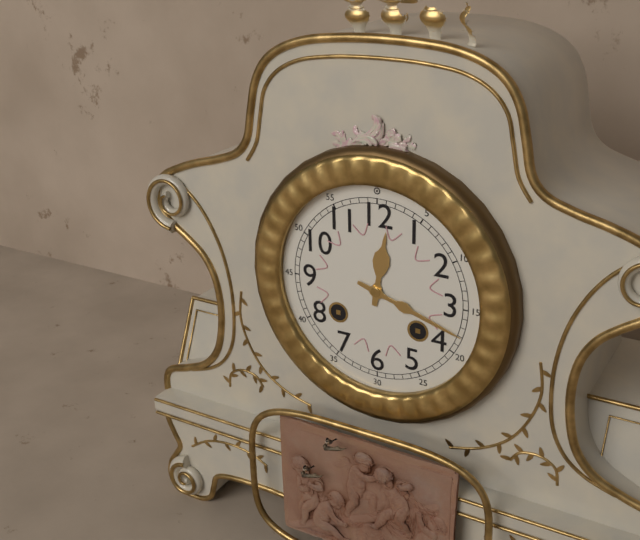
12:18
